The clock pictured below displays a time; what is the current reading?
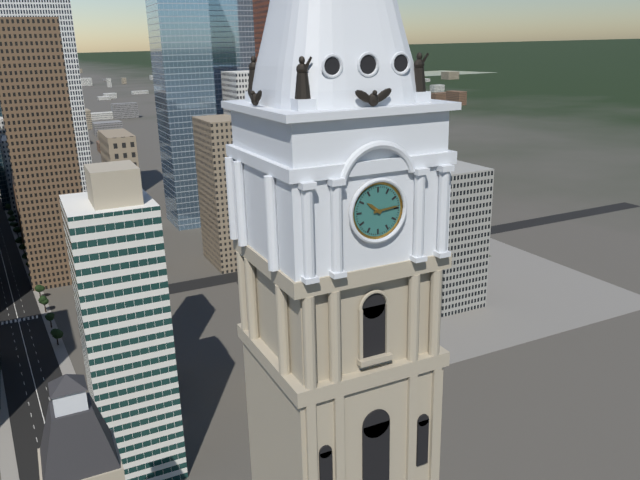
10:14
